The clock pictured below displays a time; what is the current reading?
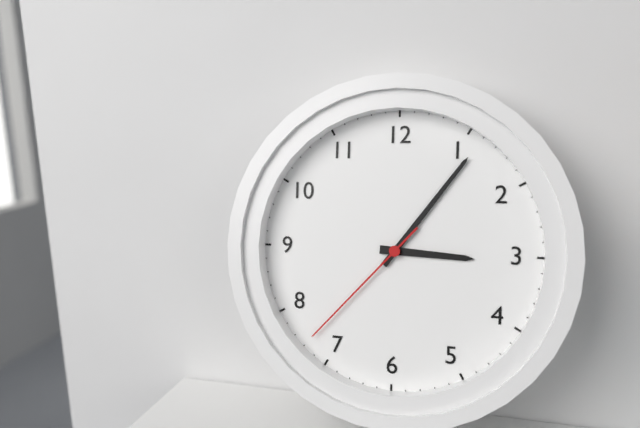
3:06:37
